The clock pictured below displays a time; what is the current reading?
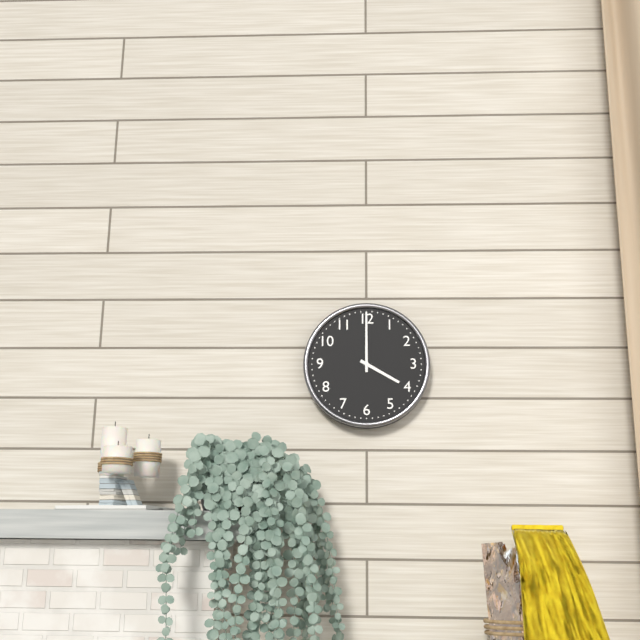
4:00
